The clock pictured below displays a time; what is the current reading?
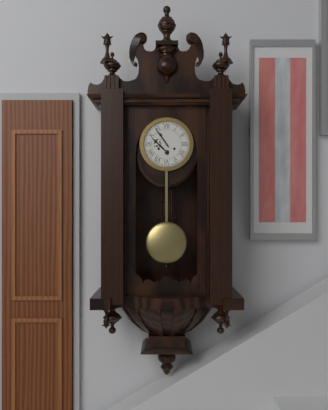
10:54
